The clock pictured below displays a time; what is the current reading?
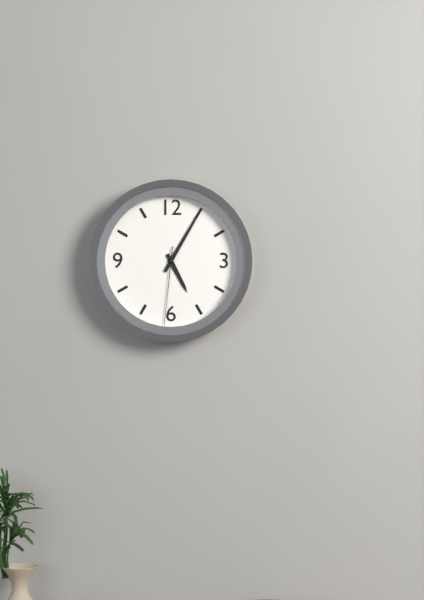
5:05:31
